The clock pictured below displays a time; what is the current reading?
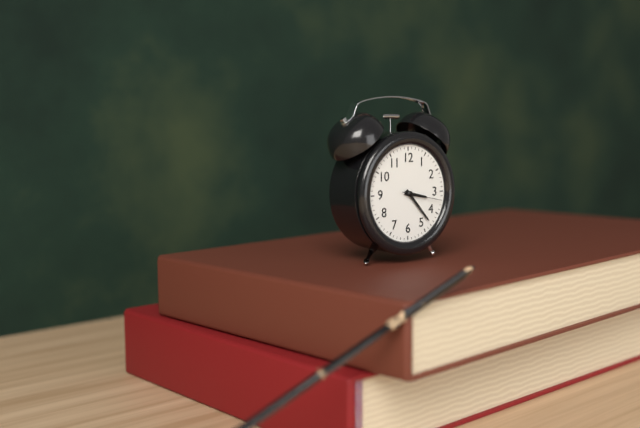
3:23
